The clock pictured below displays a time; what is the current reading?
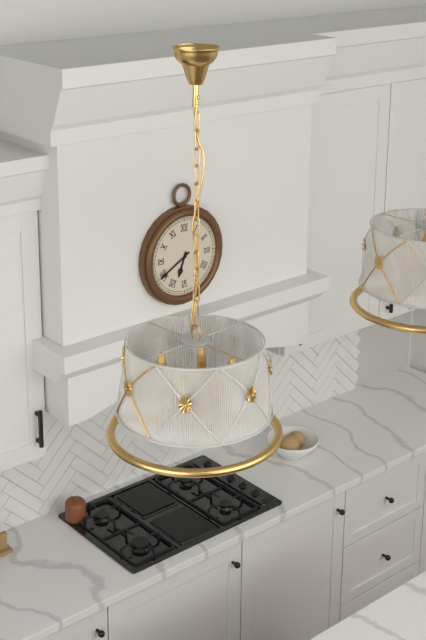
6:40
